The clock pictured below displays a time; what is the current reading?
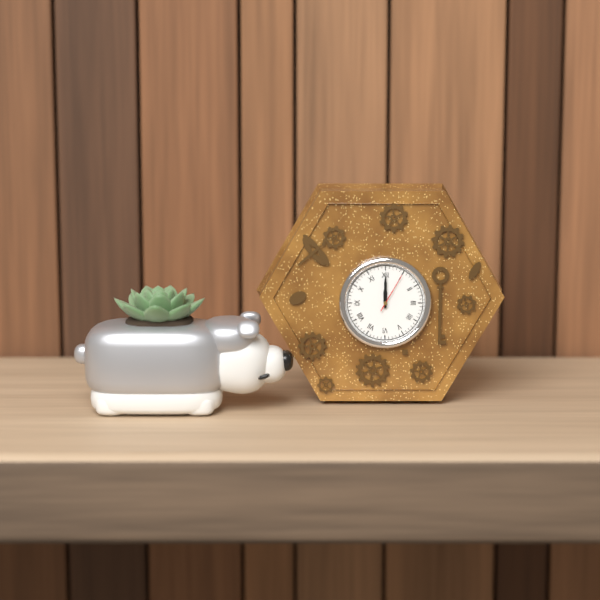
12:00
